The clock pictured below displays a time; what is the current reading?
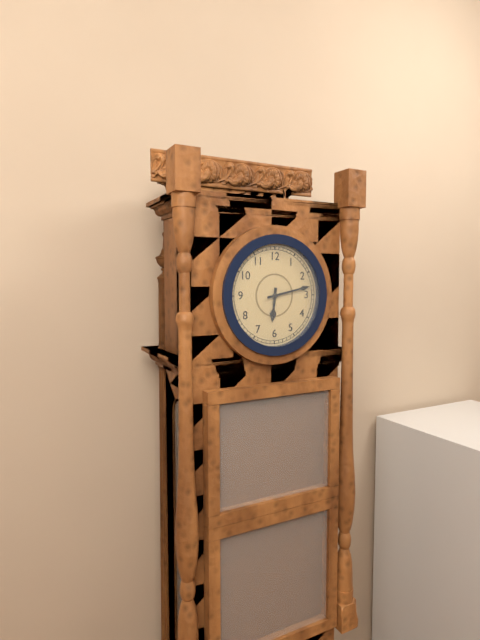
6:13
